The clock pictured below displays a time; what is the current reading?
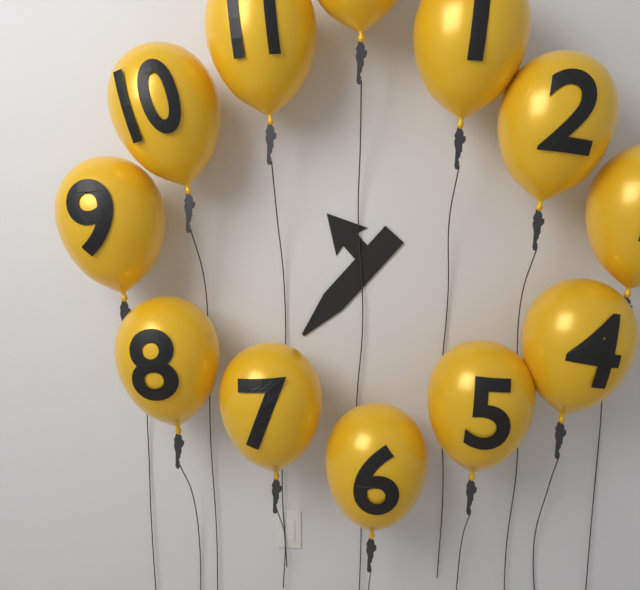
10:37
